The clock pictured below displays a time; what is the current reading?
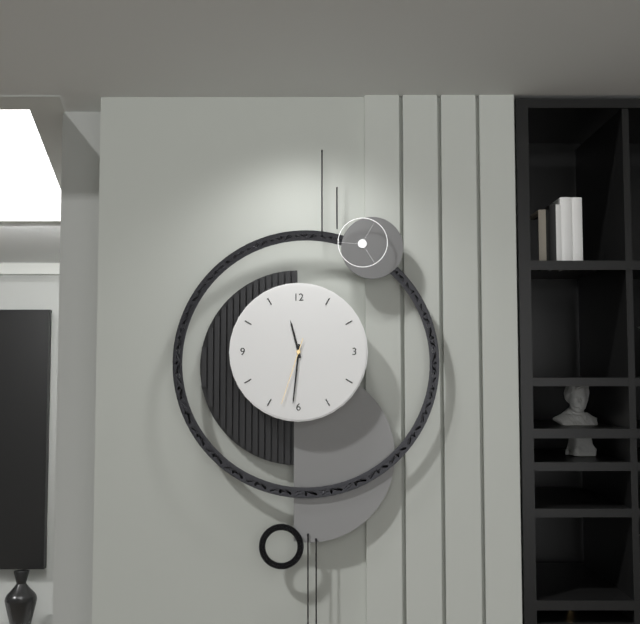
11:31:33
